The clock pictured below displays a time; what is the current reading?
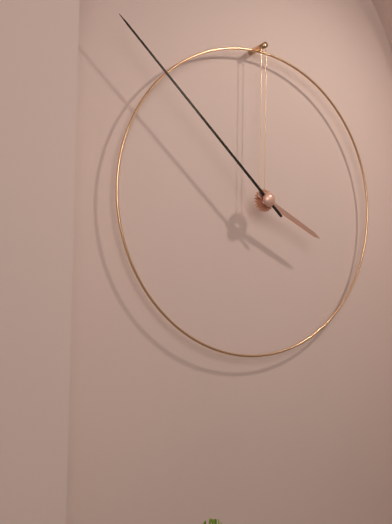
3:52
